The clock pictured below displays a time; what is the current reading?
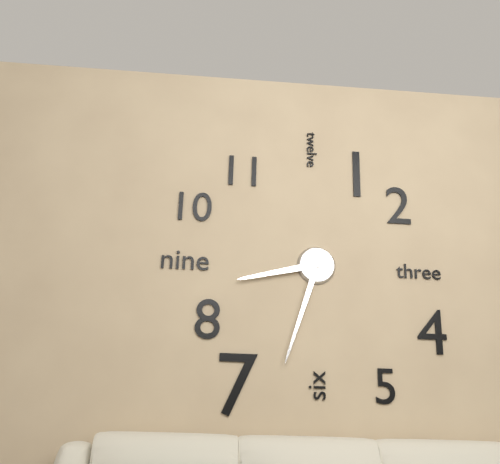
8:33
